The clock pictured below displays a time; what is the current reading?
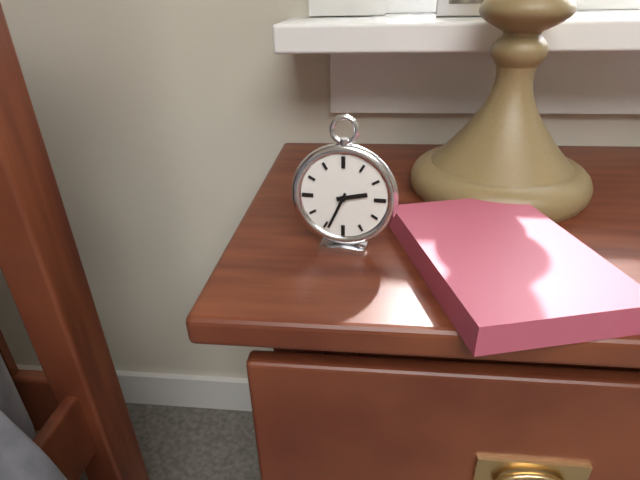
2:34
